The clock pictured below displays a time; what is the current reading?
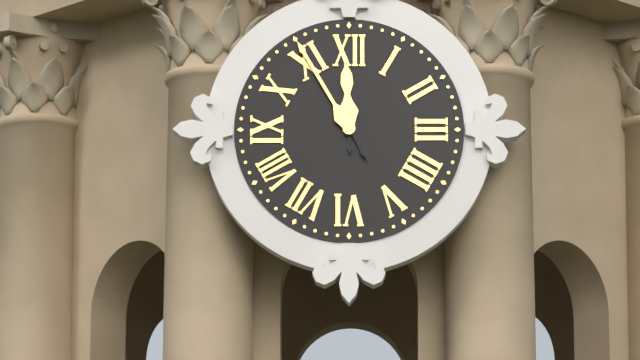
11:55
